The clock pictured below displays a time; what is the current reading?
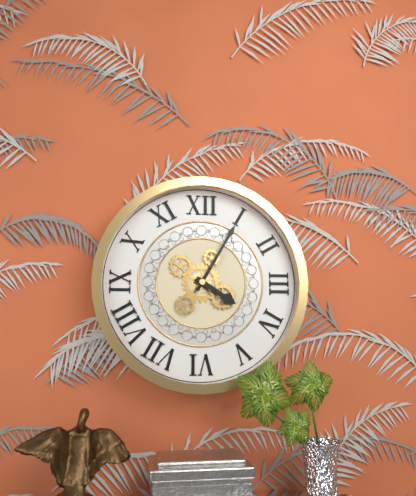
4:05
